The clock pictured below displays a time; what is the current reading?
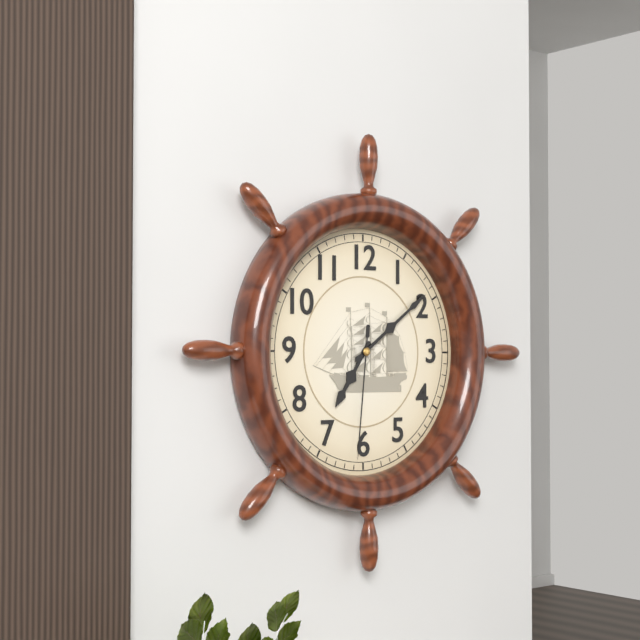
7:09:31
